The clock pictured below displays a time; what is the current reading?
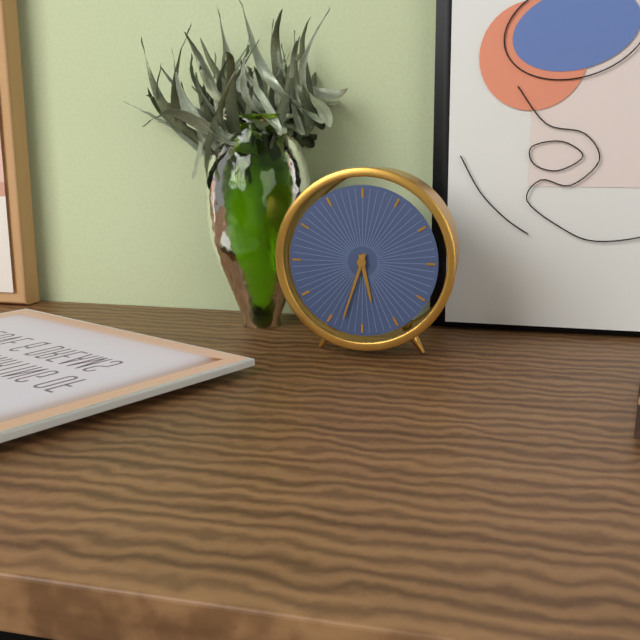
5:33
